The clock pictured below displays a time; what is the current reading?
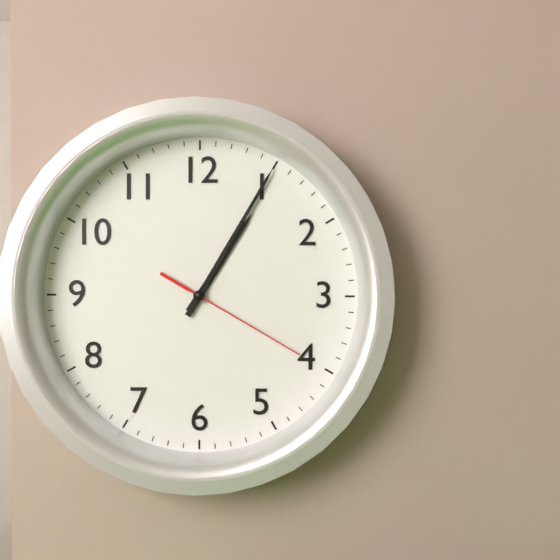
1:05:20
